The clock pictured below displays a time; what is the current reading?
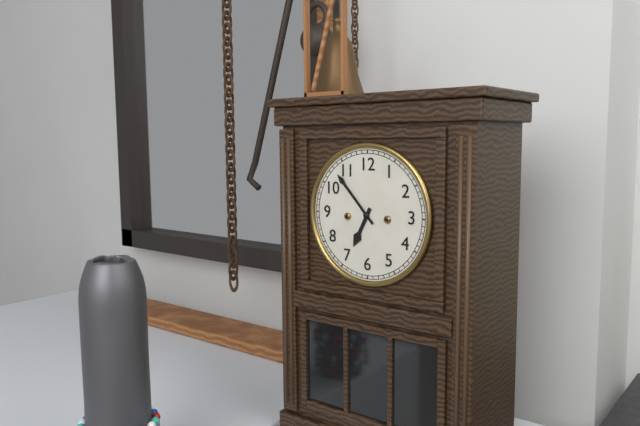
6:53
